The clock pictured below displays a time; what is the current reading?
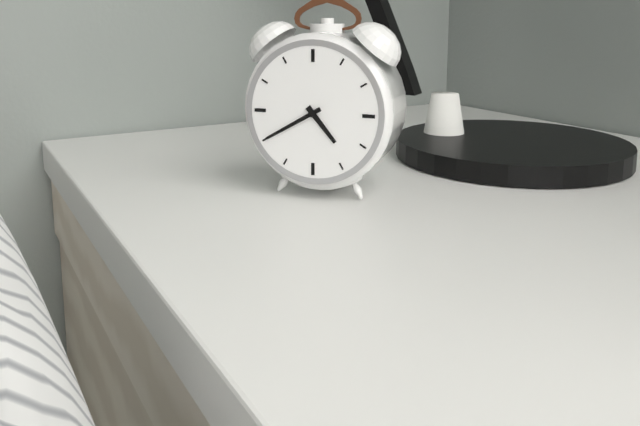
4:40
